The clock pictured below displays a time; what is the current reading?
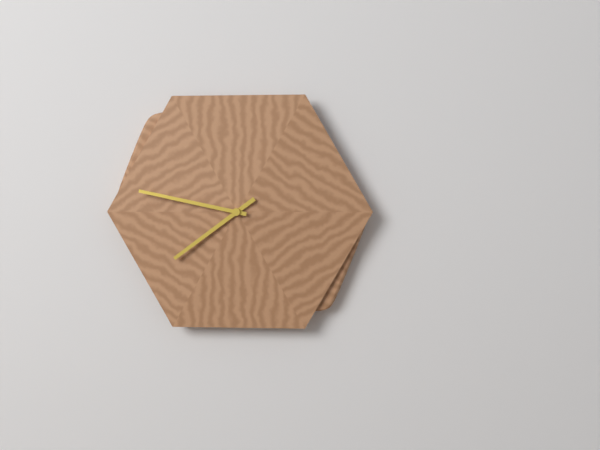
7:47
